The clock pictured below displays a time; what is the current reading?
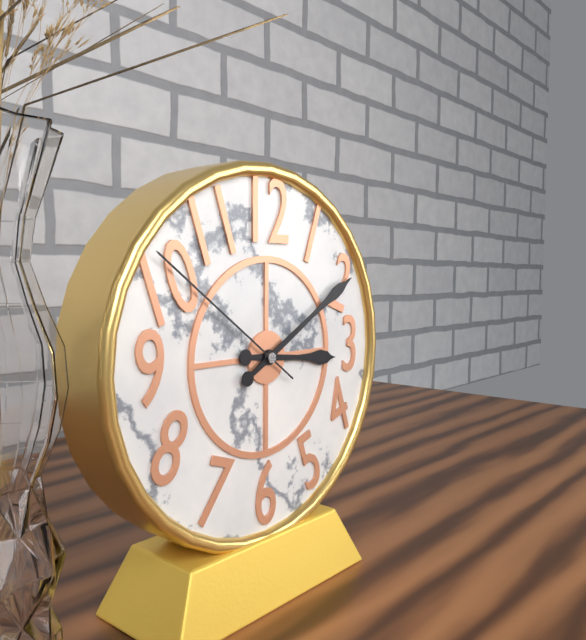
3:10:51
